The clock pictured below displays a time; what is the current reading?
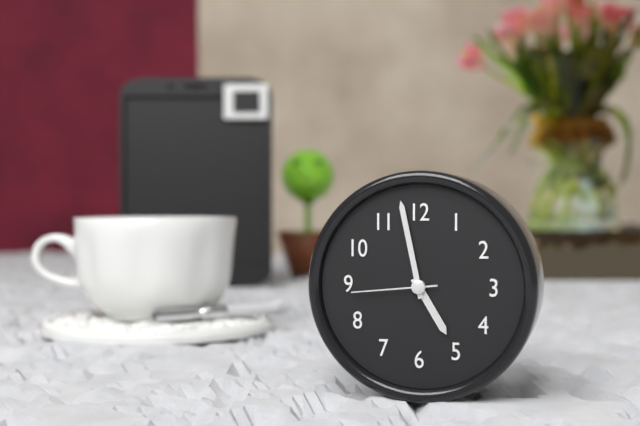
4:58:44
